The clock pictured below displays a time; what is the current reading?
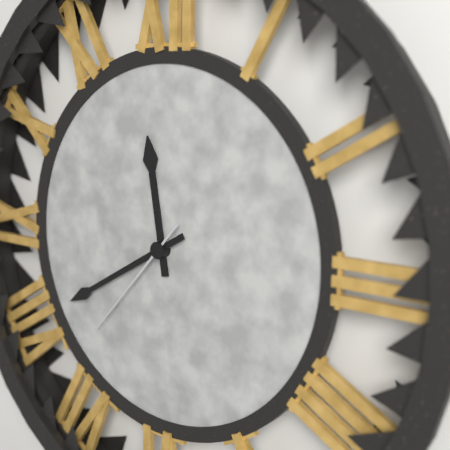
11:40:37
